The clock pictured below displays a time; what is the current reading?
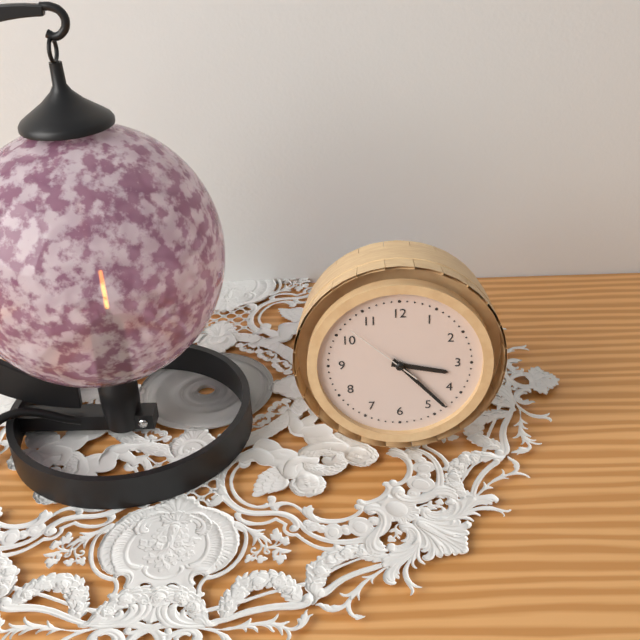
3:23:52
